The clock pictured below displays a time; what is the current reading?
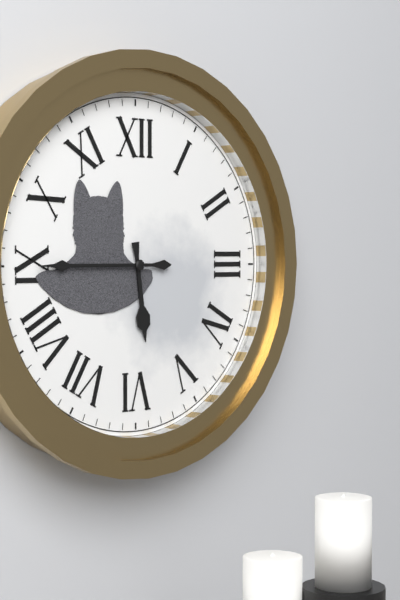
5:45
